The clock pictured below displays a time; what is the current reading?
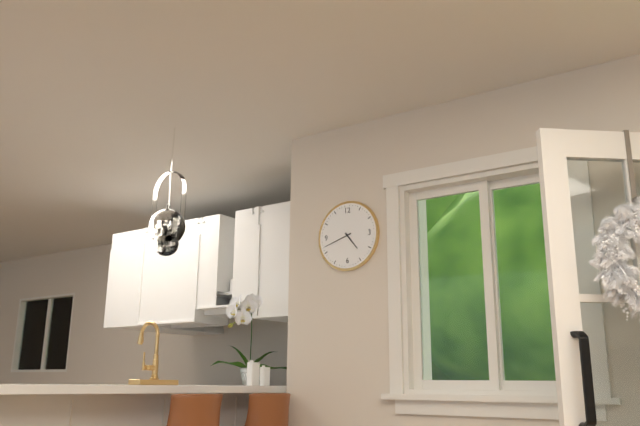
4:42
